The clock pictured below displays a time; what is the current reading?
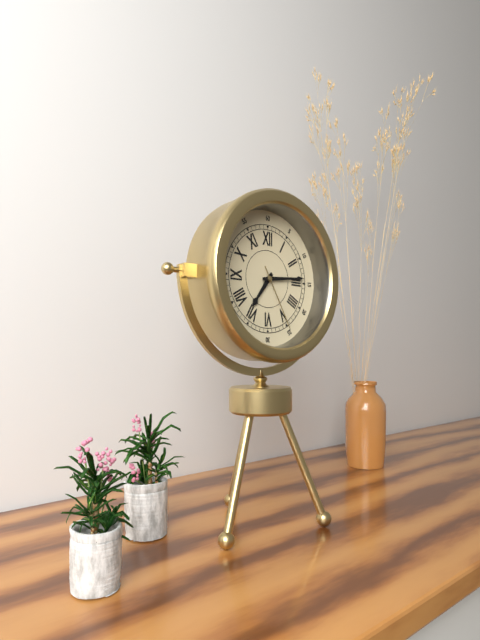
7:14:25
